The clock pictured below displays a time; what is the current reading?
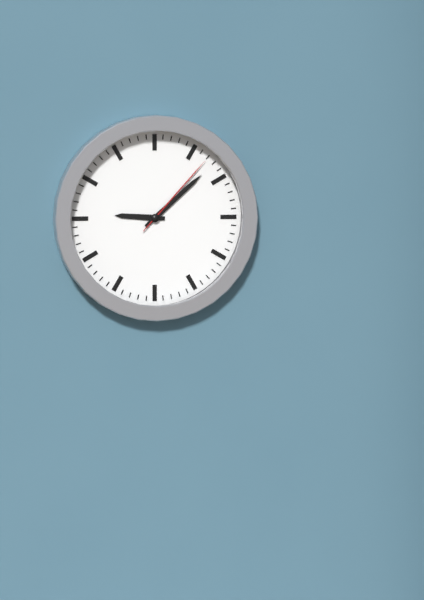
9:08:07
